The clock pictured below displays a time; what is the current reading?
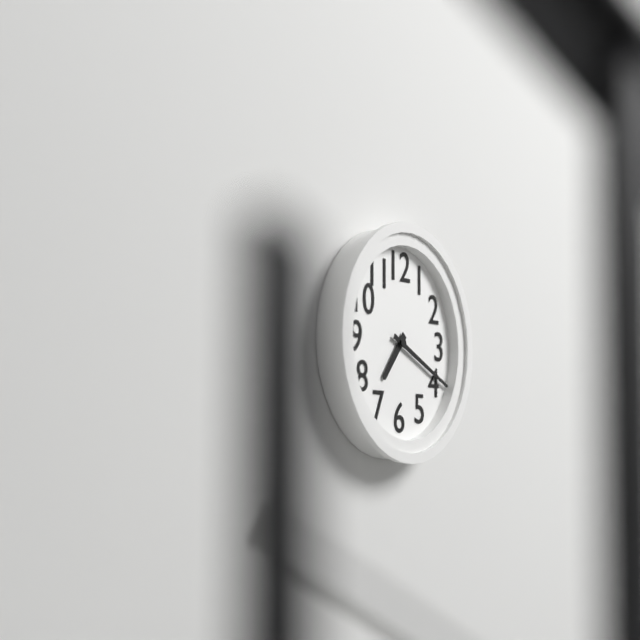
7:19
